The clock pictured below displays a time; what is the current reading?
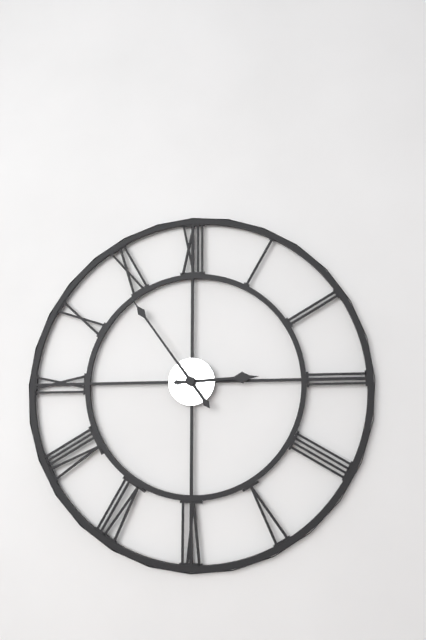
2:54
